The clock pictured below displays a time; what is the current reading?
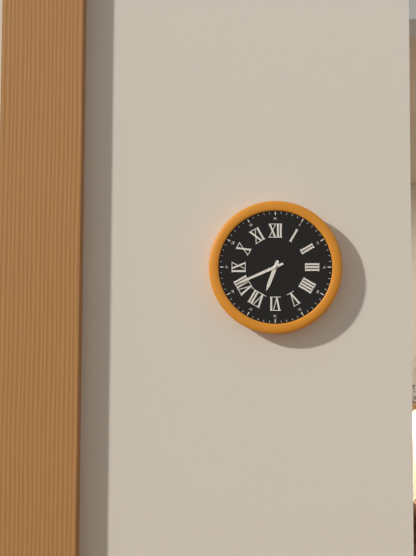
6:41
